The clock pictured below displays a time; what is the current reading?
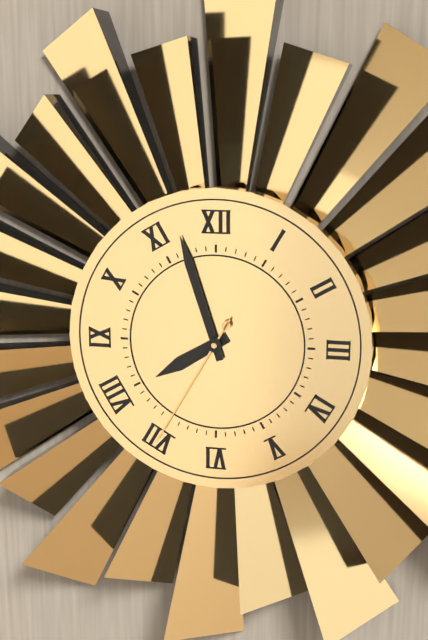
7:57:35
